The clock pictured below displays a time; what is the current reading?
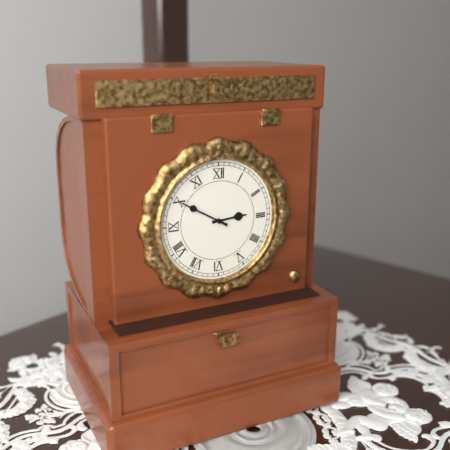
2:50
